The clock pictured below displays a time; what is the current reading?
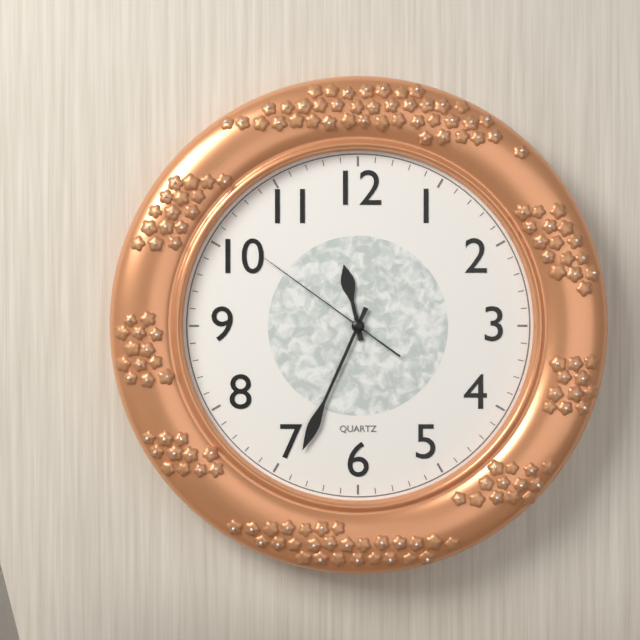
11:34:51
